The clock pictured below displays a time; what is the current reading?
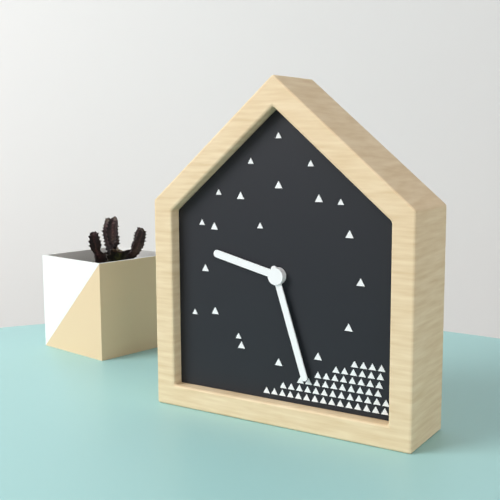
9:27
